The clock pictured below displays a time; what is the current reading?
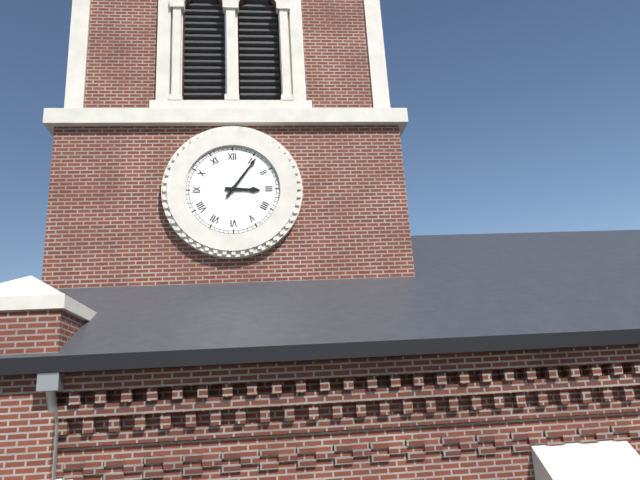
3:06
